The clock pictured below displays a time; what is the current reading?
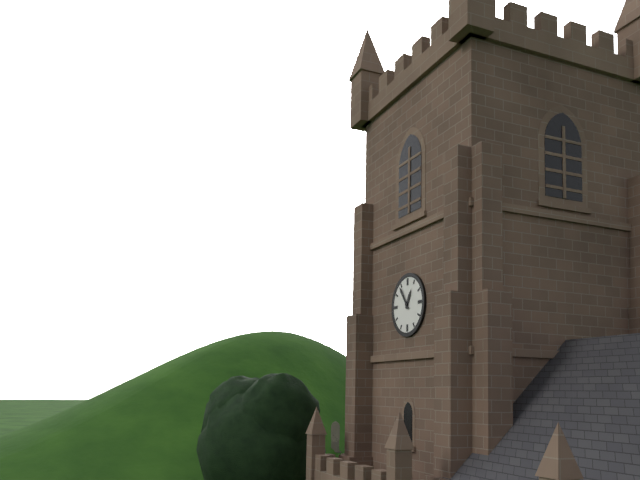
12:54
